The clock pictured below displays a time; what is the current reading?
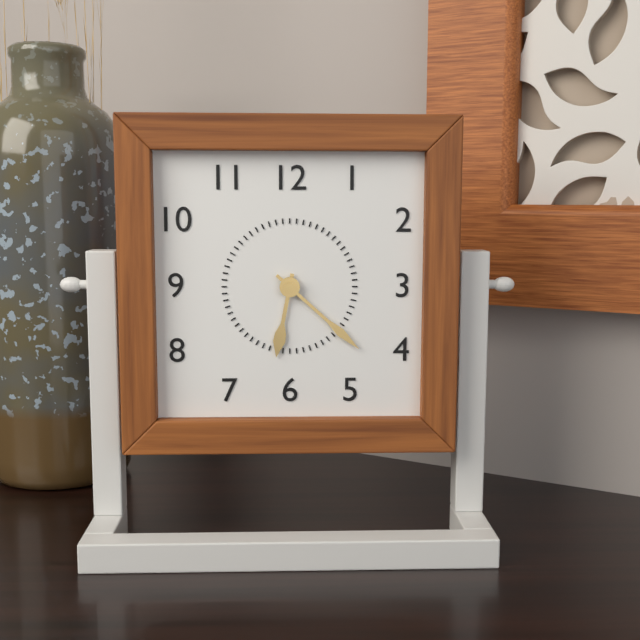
6:22
